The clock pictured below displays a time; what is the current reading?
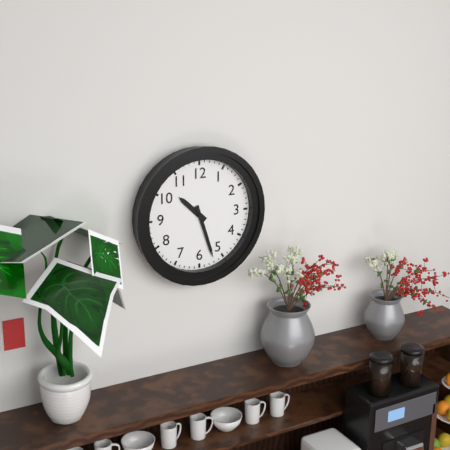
10:27
